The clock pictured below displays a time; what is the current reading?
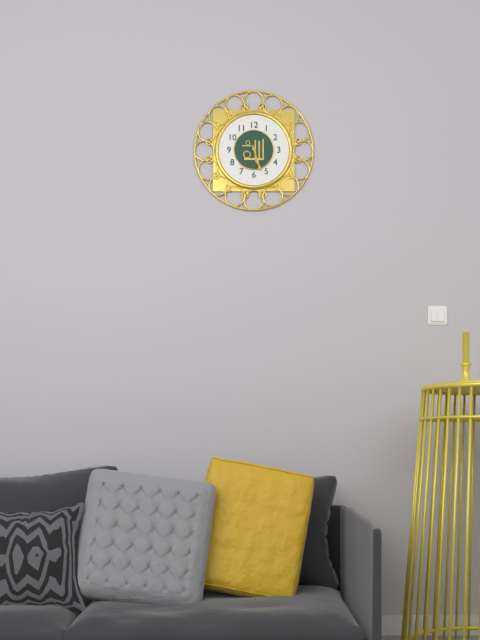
5:27
